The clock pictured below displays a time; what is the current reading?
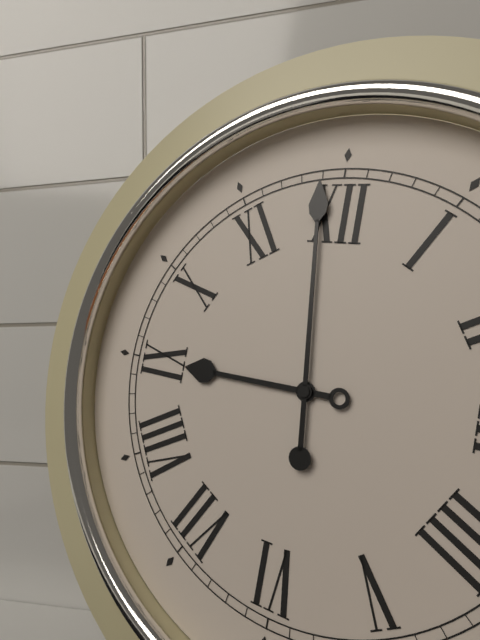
8:59
